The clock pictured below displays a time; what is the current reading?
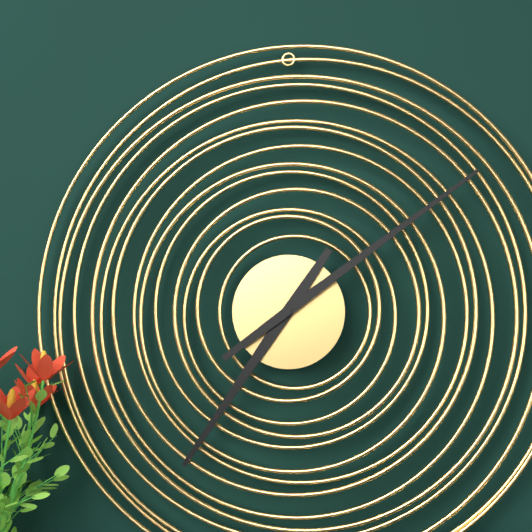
7:09
